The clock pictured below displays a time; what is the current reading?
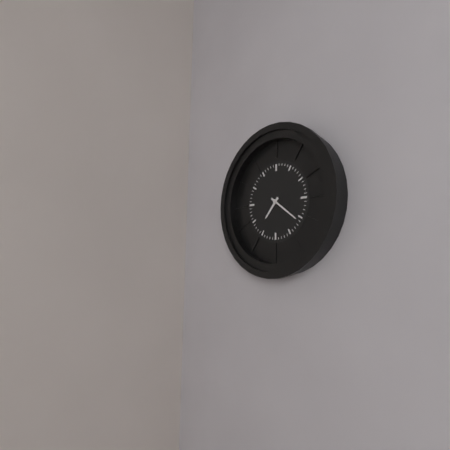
7:21
